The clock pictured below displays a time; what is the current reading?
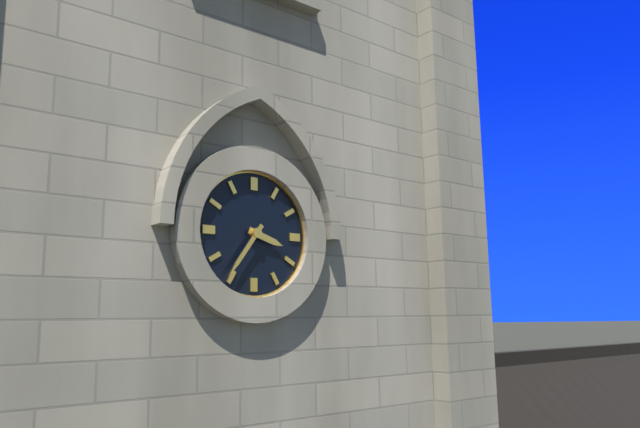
3:36
